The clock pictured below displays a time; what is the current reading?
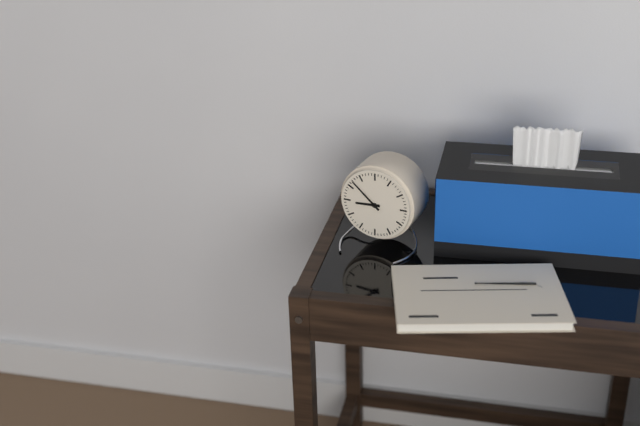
8:52
